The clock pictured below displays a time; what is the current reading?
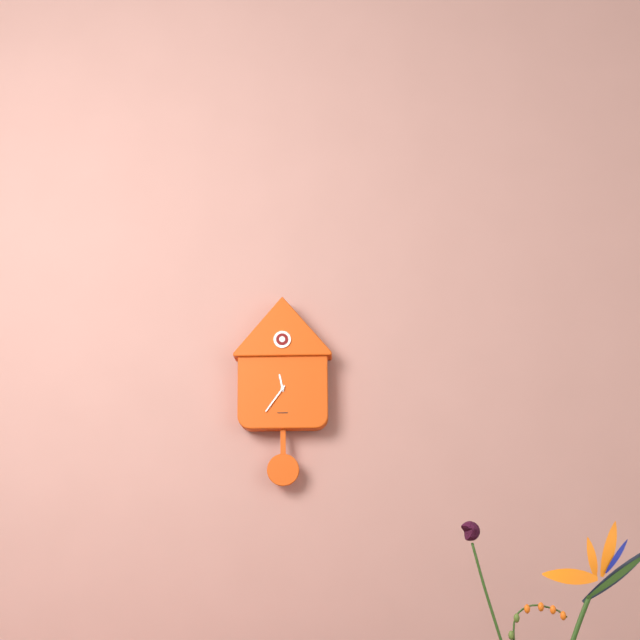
11:36
